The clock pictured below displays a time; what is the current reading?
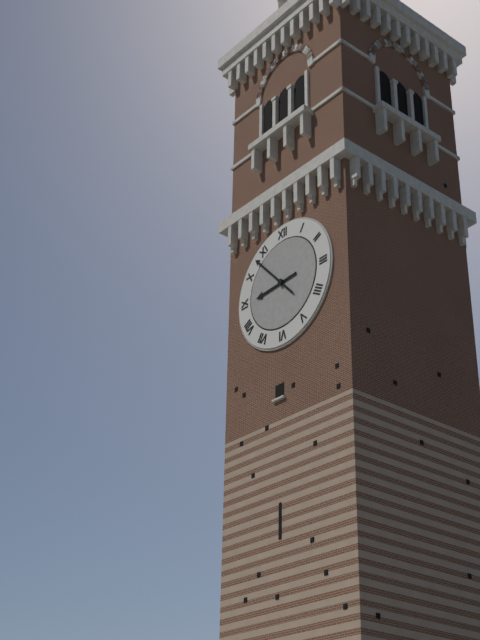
8:53
